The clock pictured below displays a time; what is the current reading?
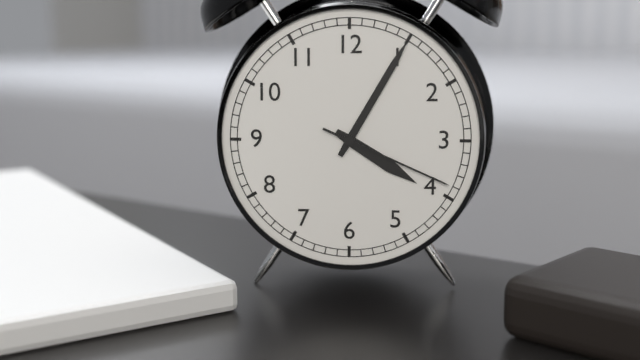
4:05:19
